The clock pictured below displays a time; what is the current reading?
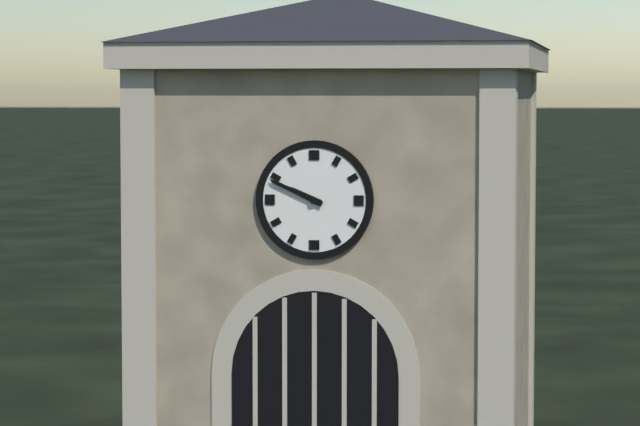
9:49
